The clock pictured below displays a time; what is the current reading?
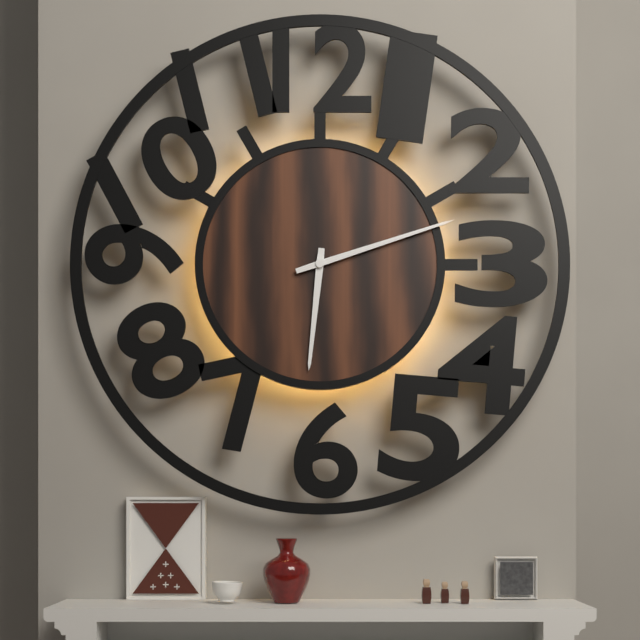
6:12
